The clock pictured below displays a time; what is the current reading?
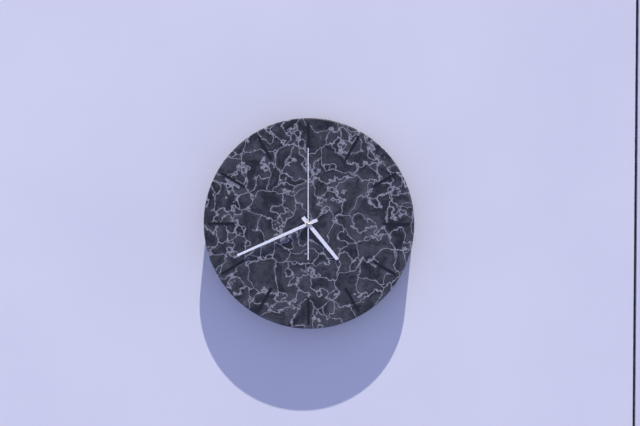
4:41:00
